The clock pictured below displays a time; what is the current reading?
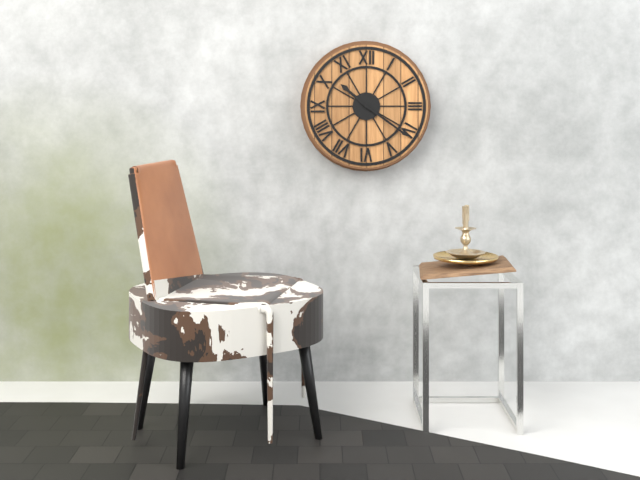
10:21
